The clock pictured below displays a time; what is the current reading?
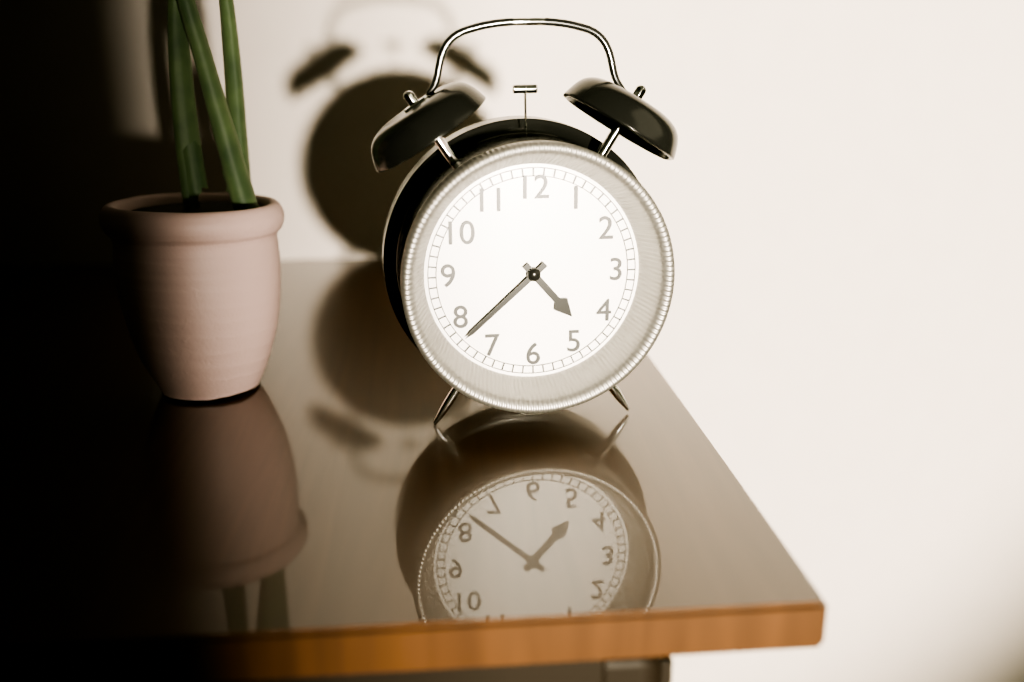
4:38
